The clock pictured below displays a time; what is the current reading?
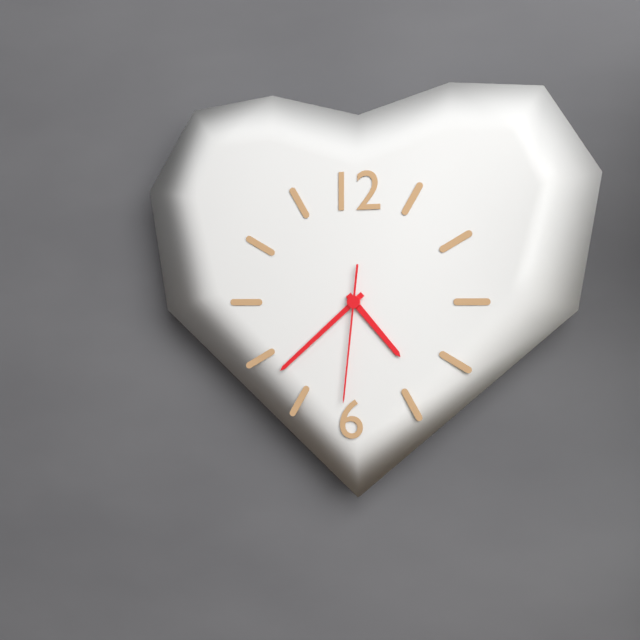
4:38:31
